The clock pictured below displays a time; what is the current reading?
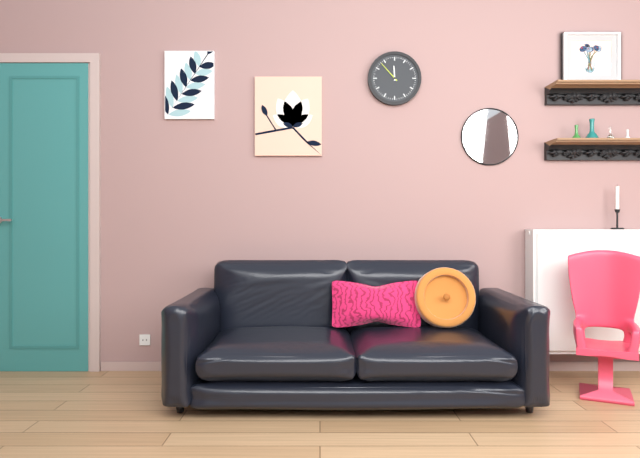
11:53
